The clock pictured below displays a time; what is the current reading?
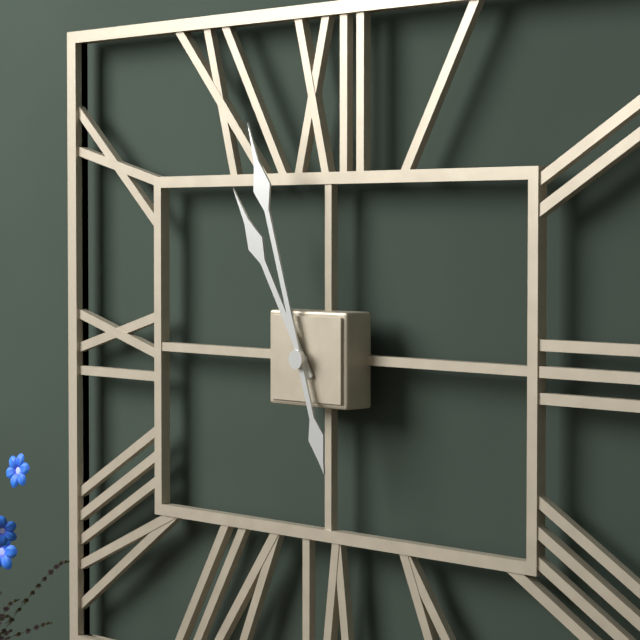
10:57
